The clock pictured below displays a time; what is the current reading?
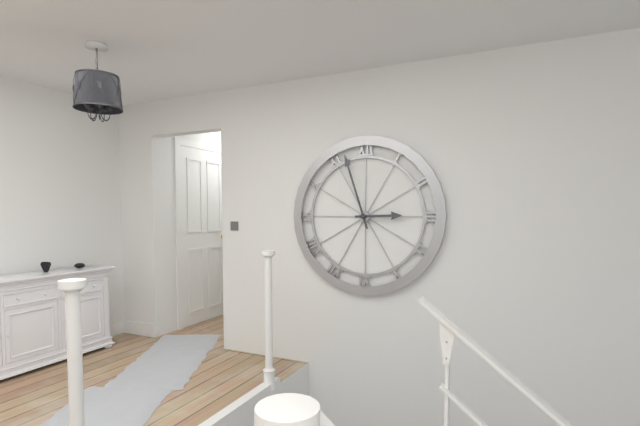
2:57
